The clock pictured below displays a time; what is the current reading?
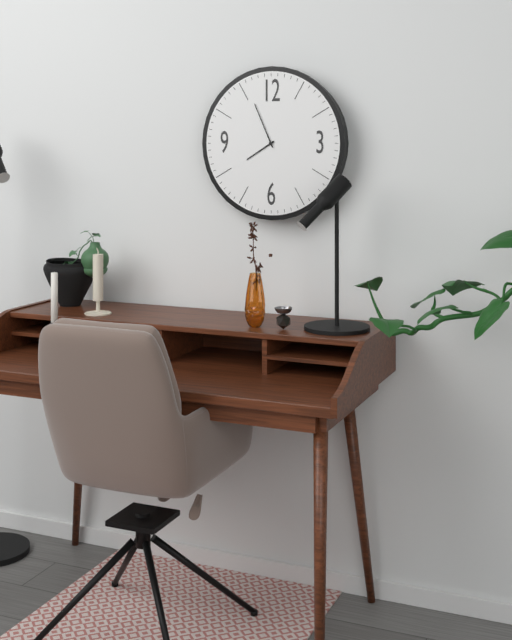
7:56
